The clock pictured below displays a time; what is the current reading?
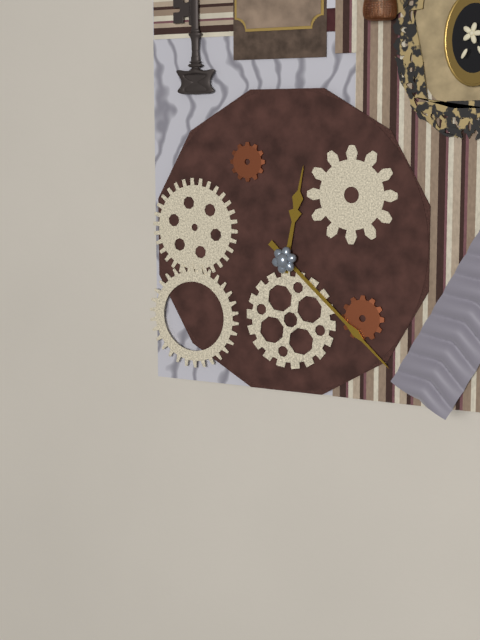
12:22
